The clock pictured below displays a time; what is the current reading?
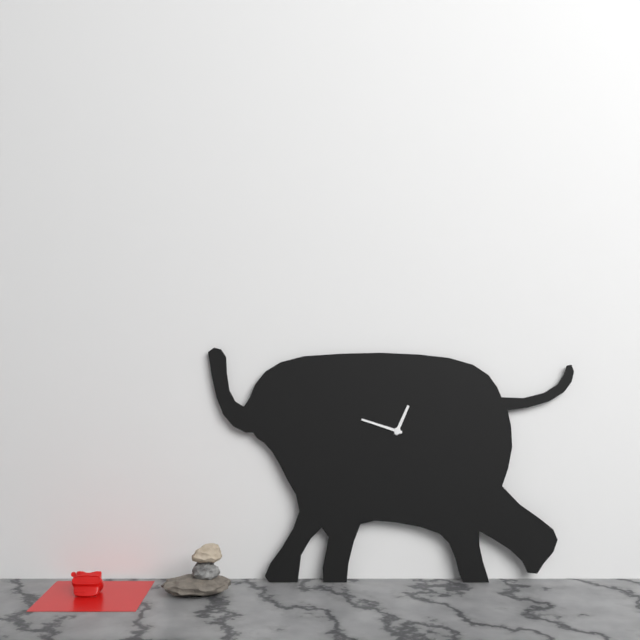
12:48
